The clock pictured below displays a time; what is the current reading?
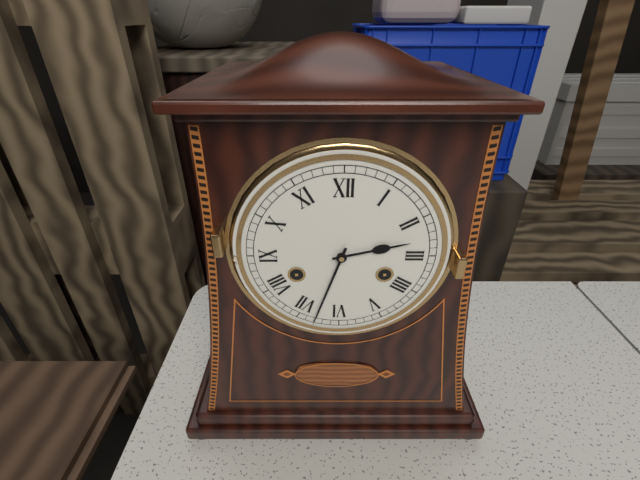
2:33
